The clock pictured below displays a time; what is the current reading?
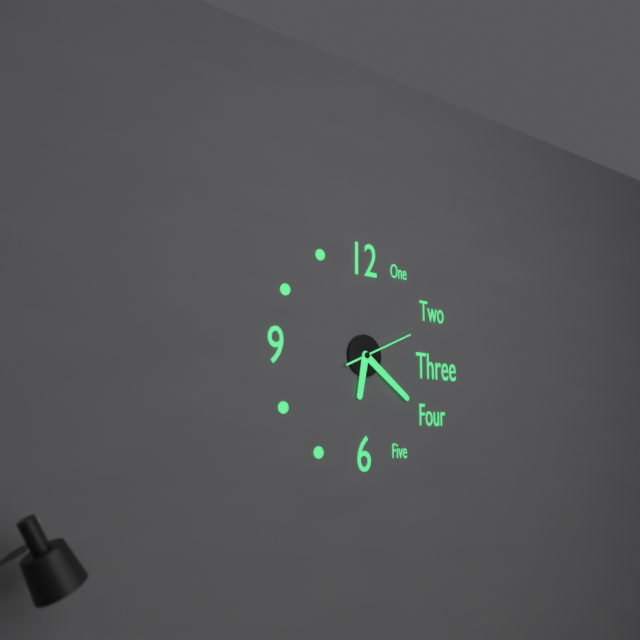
6:21:11
